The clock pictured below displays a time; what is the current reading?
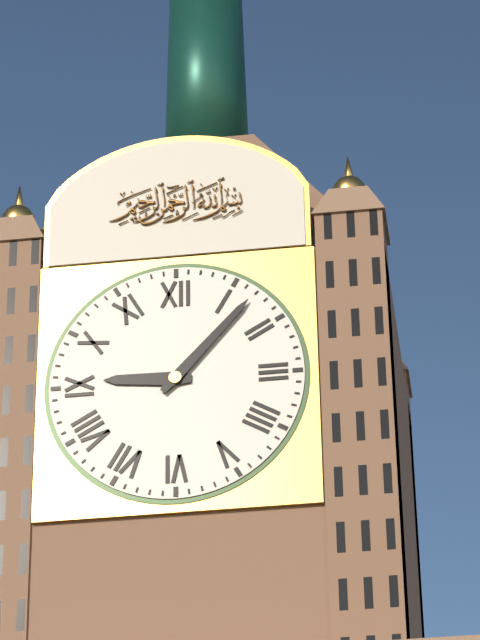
9:07
